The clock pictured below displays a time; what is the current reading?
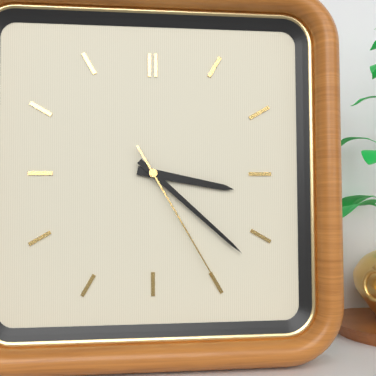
3:22:25
